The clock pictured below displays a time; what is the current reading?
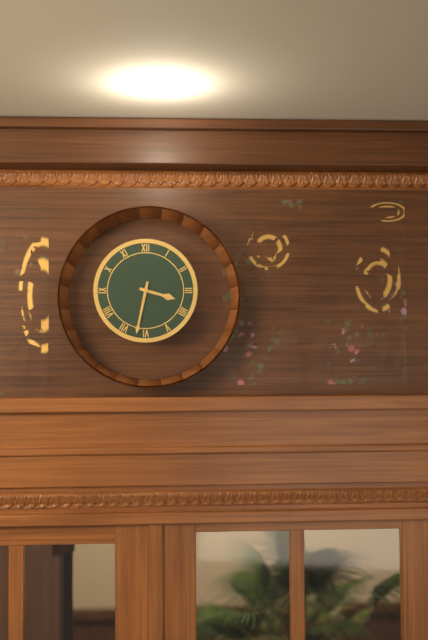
3:32
